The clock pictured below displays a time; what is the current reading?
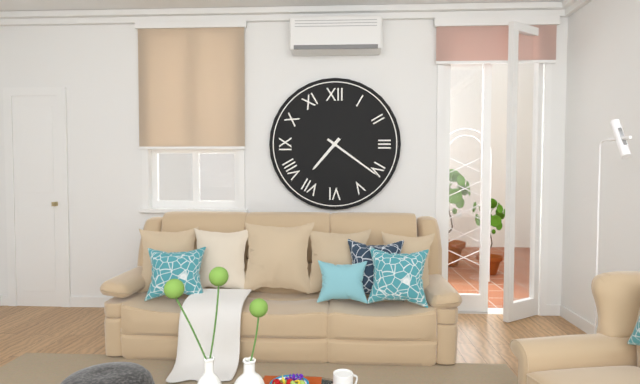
7:21
